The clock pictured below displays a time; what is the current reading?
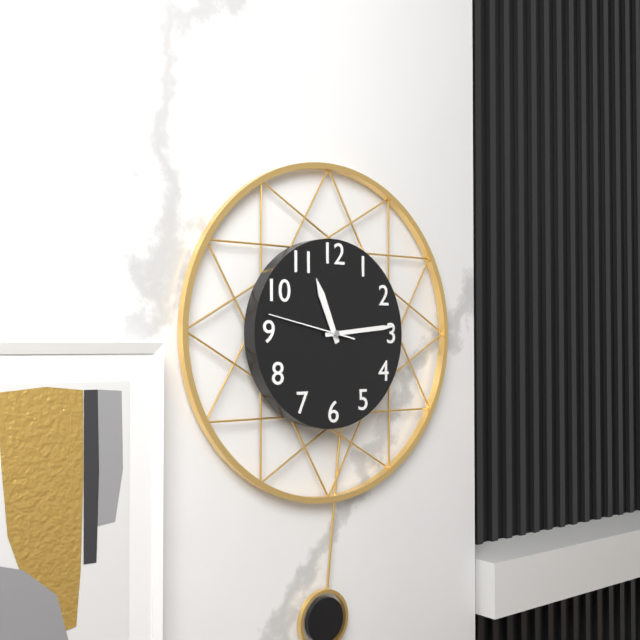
11:14:47
